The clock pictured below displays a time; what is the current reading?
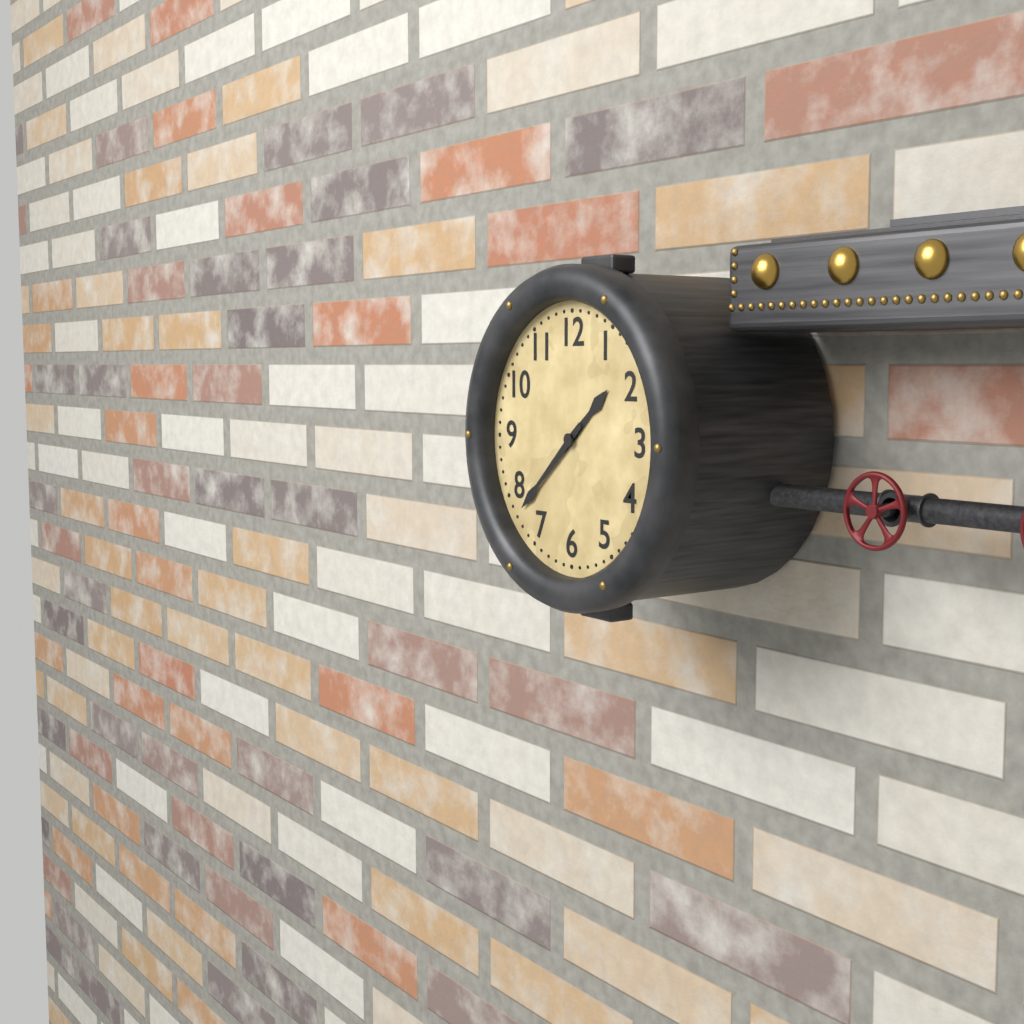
1:38
